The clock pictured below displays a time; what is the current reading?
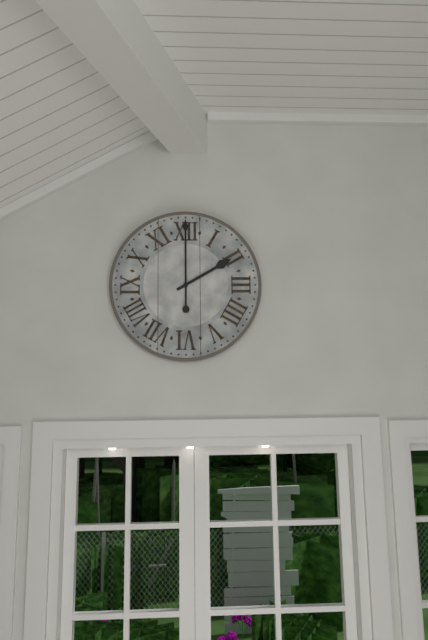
2:00
